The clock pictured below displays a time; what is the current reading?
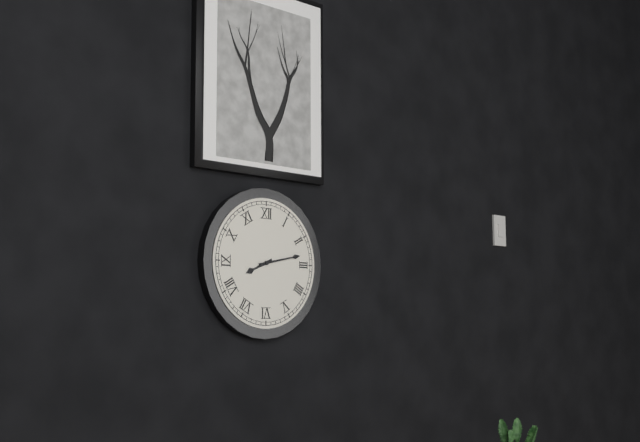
8:13
